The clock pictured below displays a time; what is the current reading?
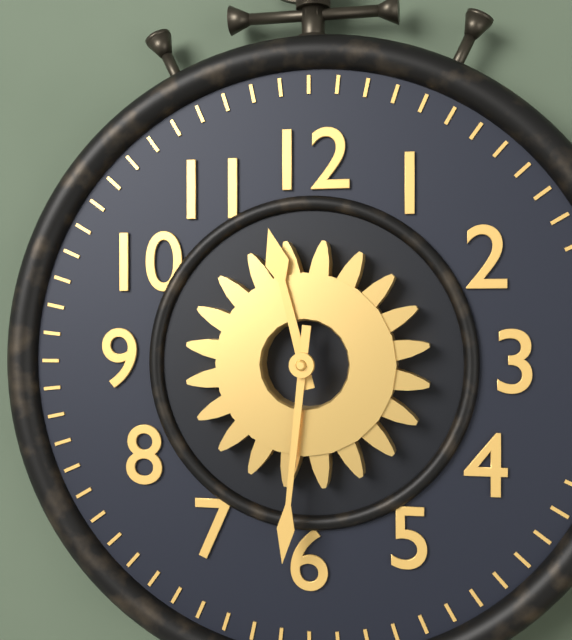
11:31
